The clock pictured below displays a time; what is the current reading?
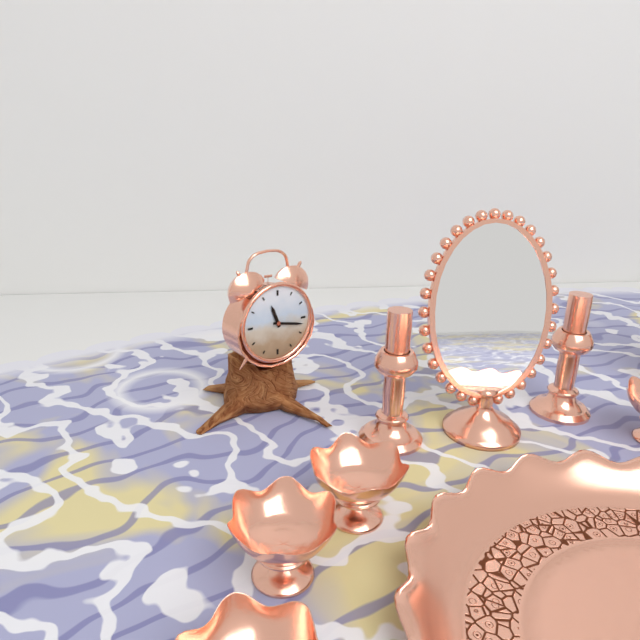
11:17
